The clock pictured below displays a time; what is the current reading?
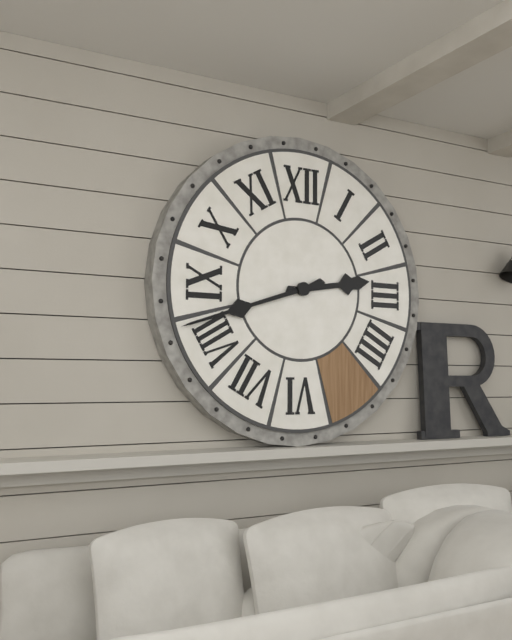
2:42
